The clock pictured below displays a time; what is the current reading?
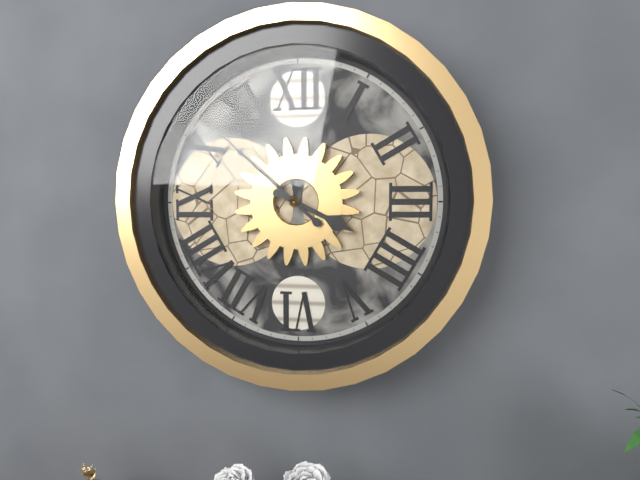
3:52
